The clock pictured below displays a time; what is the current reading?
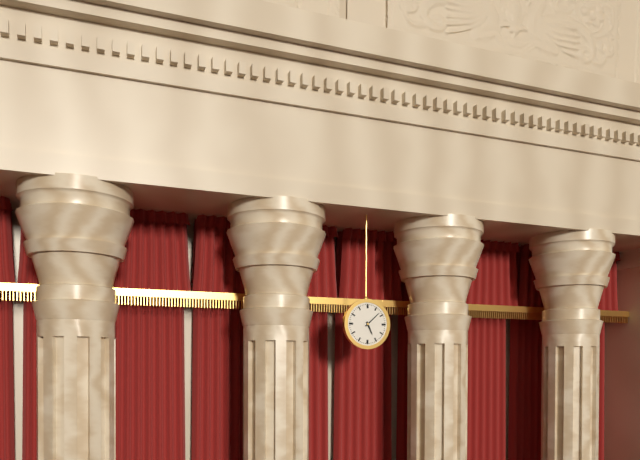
5:08
